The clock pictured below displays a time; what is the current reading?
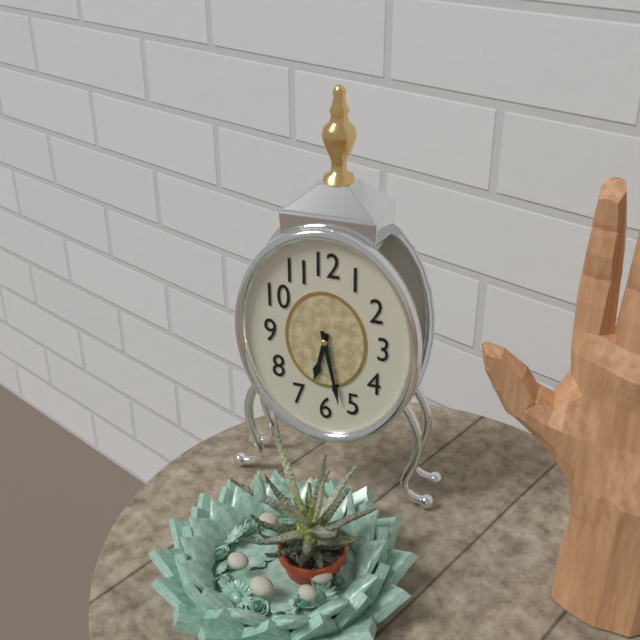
6:28
